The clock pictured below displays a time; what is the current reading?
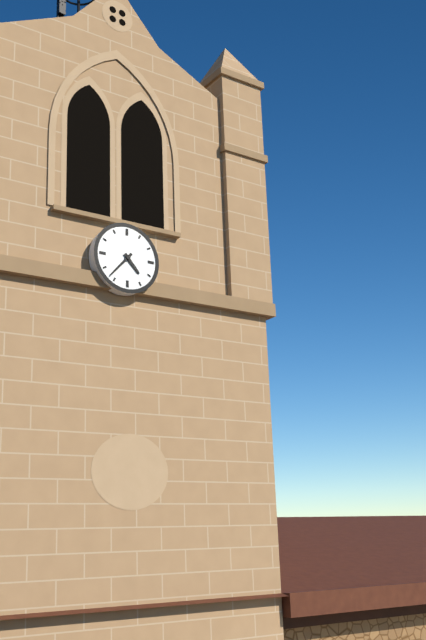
4:37
